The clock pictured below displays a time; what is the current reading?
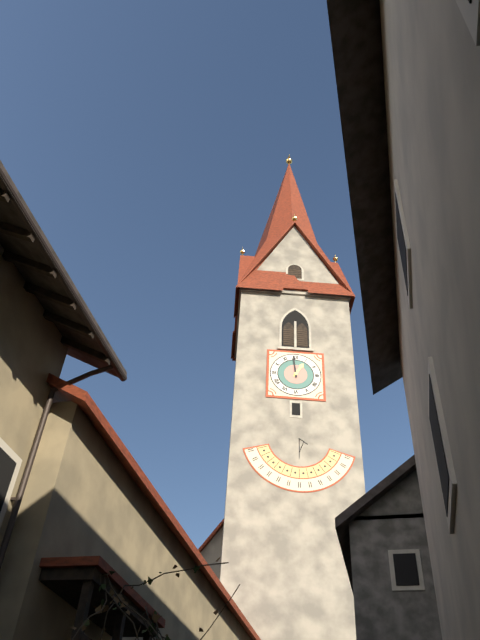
12:59
